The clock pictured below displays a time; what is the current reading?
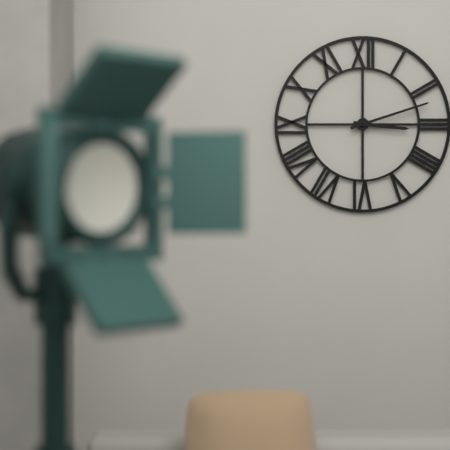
3:12
